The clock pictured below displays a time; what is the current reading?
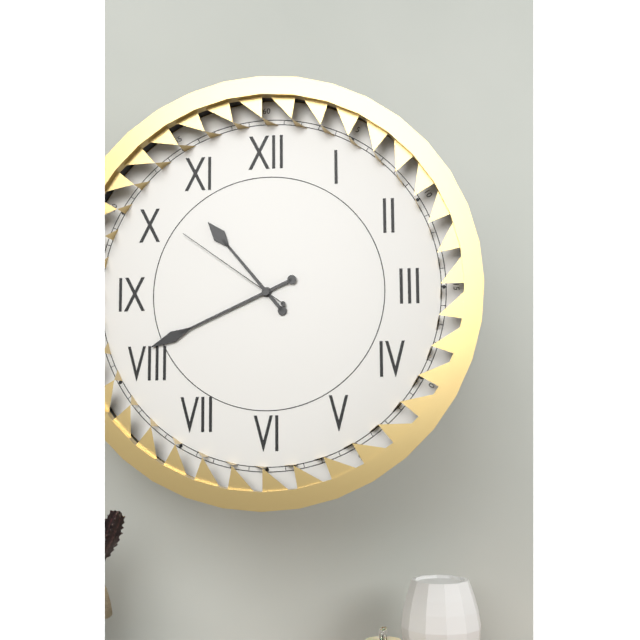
10:41:51
